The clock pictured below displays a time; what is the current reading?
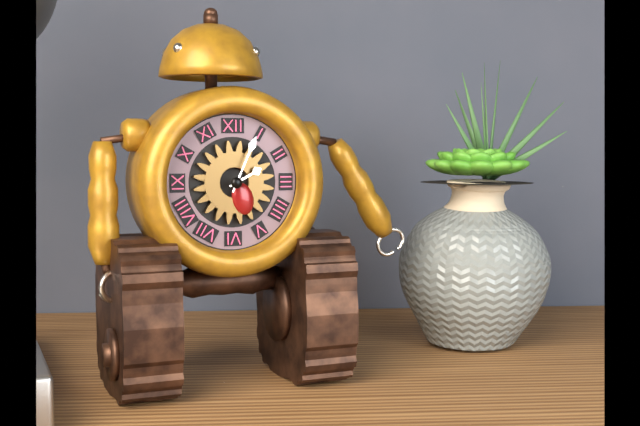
2:04
